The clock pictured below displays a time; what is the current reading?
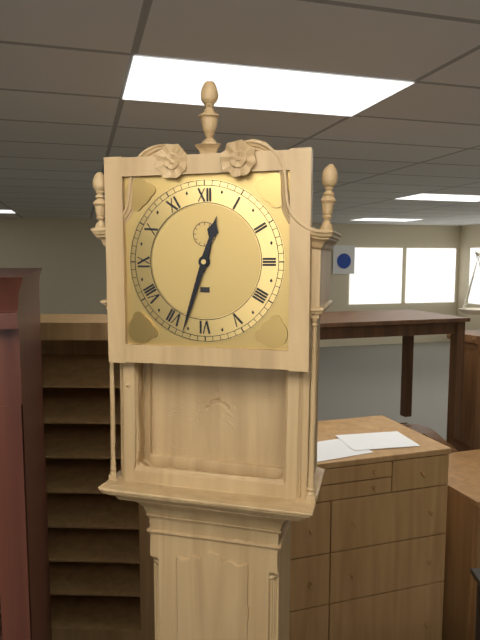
12:33
